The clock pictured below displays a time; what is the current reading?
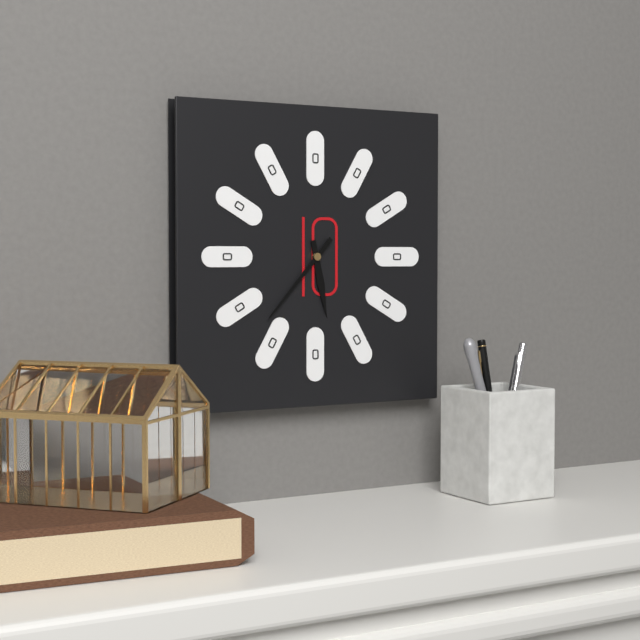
5:37
